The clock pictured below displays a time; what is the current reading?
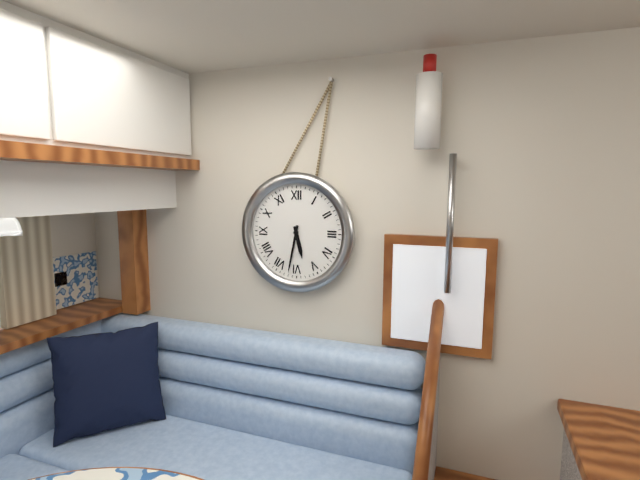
5:32
